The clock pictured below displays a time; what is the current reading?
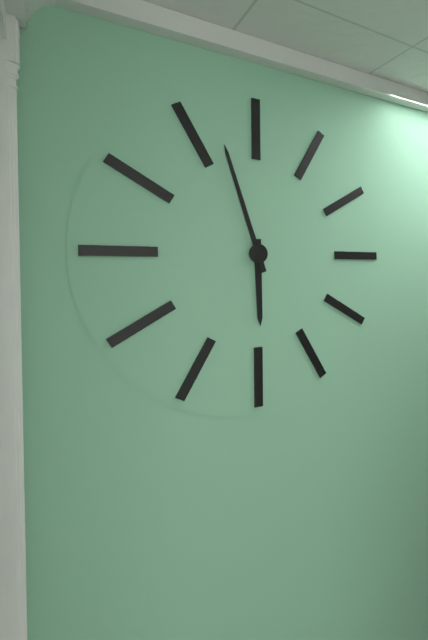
5:57
